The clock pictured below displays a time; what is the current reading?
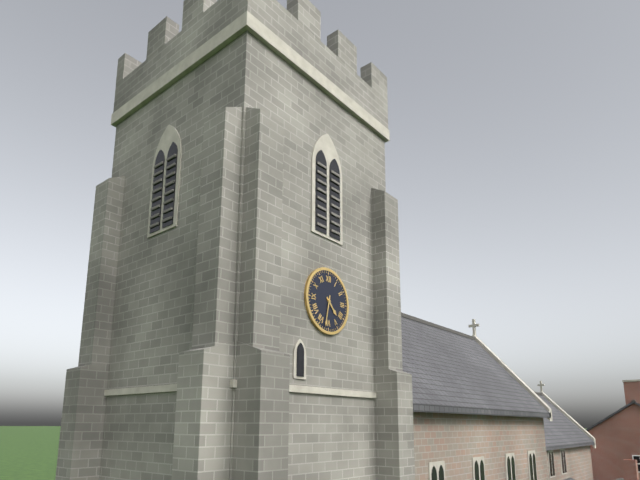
4:32
